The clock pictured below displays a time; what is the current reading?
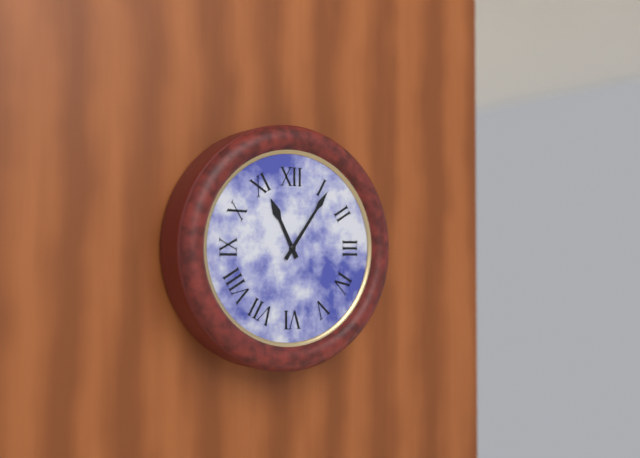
11:06
